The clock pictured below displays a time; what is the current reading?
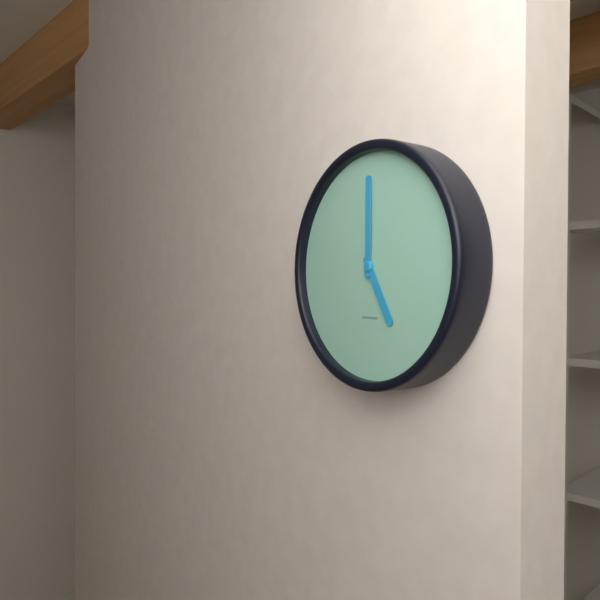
5:00
